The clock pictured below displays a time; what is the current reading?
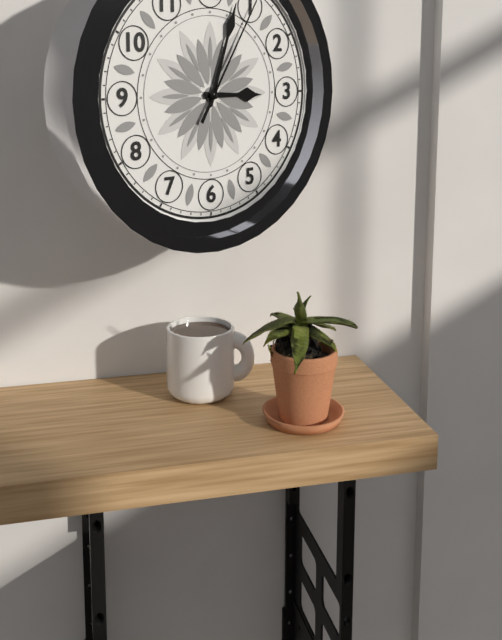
3:03:05
